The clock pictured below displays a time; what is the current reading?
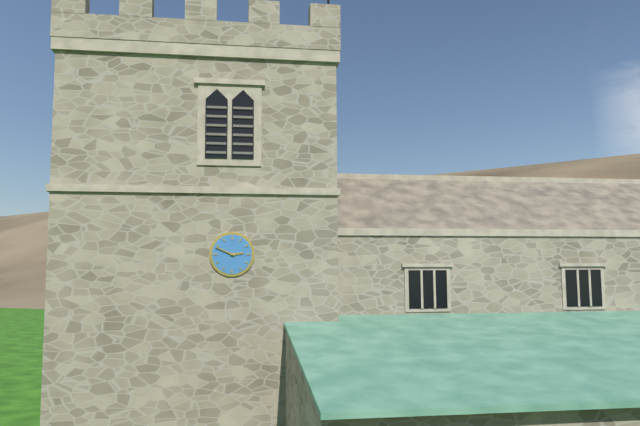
2:49
